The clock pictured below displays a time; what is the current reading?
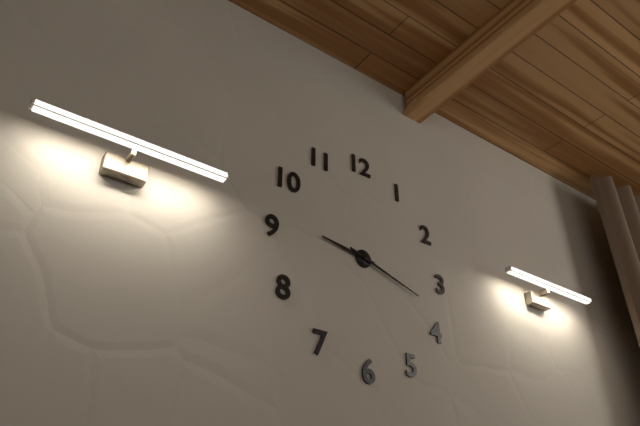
9:18
